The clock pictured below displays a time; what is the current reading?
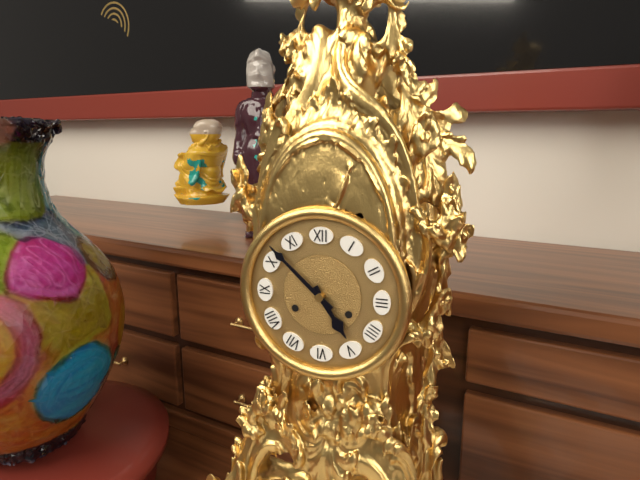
4:52
